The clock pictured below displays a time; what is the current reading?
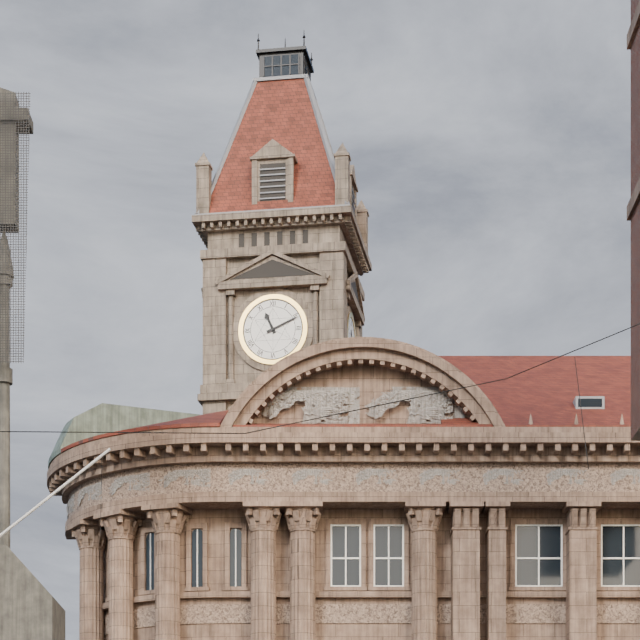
11:11
